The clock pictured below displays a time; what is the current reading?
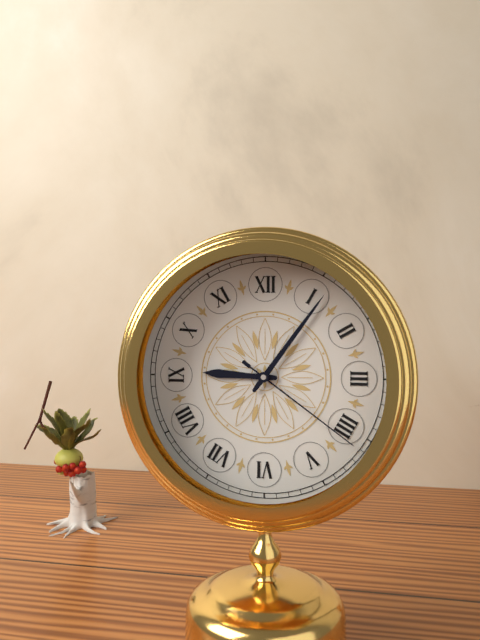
9:06:21
